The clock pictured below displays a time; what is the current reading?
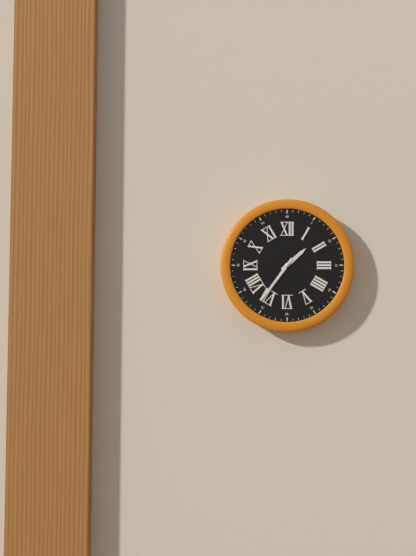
1:36
